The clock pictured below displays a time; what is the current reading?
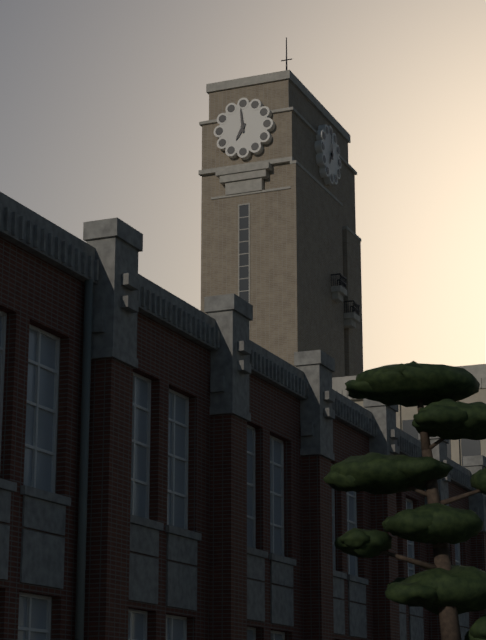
6:59
